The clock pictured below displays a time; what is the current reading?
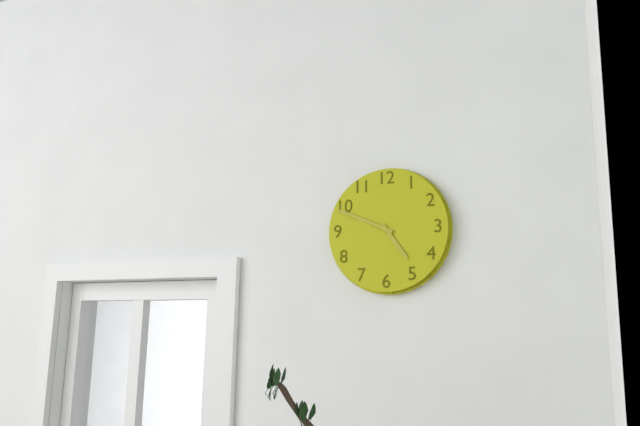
4:49
